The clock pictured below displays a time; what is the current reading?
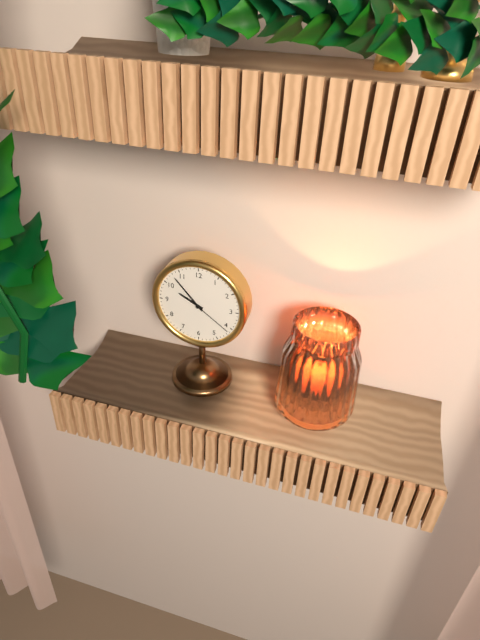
9:53
